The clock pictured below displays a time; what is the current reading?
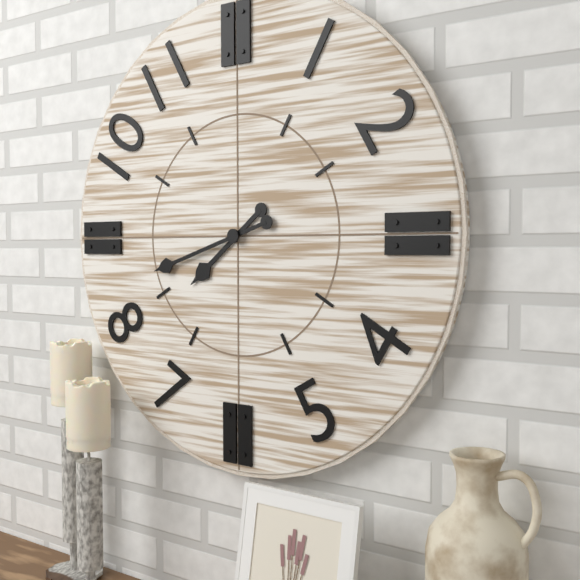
7:42
